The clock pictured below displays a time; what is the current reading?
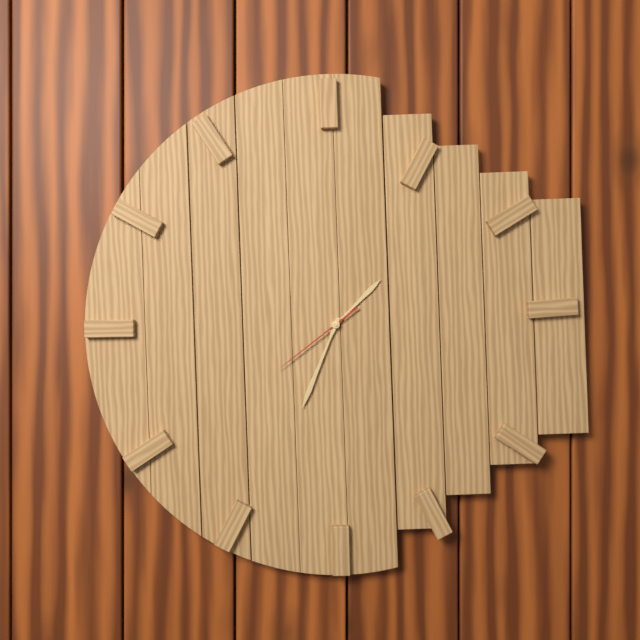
1:34:39
